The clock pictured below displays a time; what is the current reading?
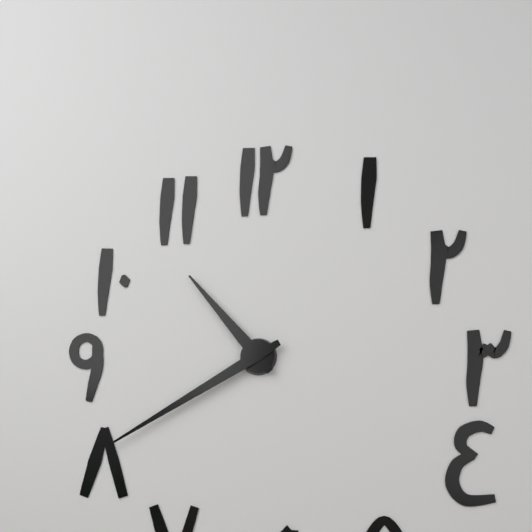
10:40
